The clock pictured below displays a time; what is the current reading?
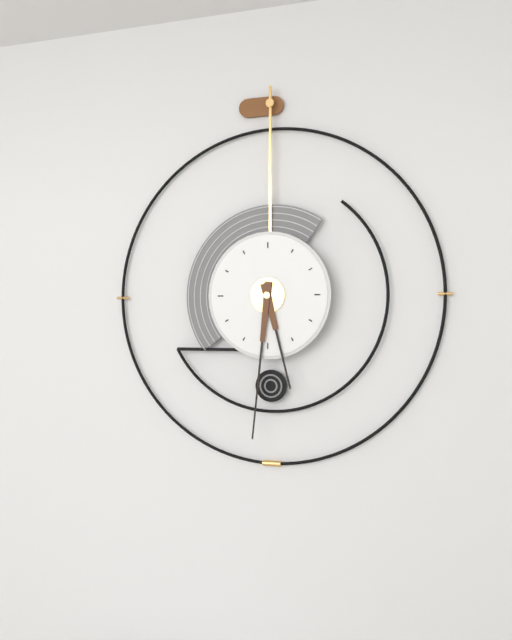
5:31
